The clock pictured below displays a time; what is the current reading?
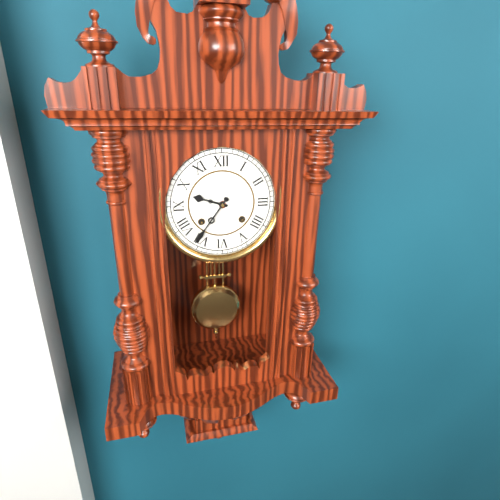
9:36
